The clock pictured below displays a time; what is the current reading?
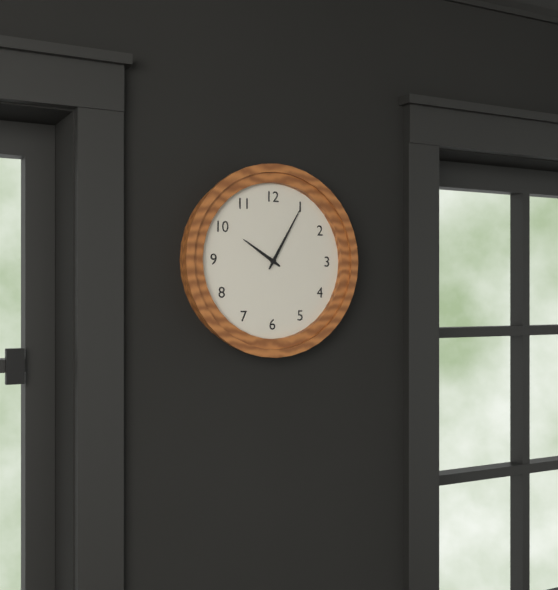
10:05
